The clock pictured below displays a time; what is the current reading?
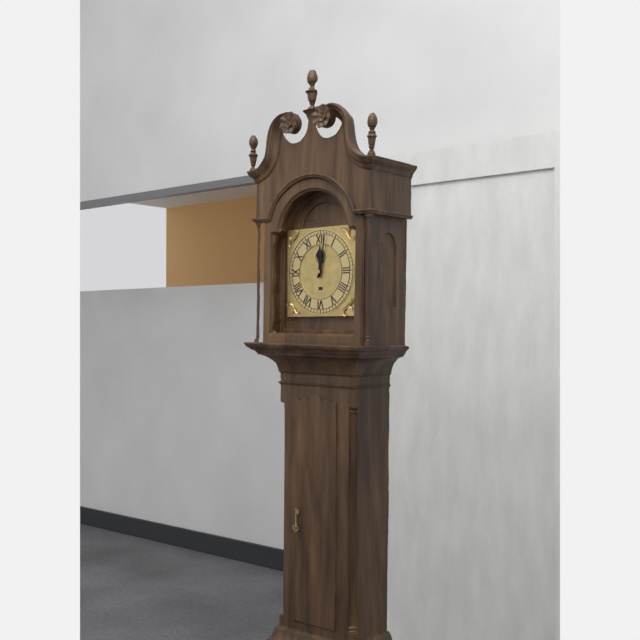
12:02
